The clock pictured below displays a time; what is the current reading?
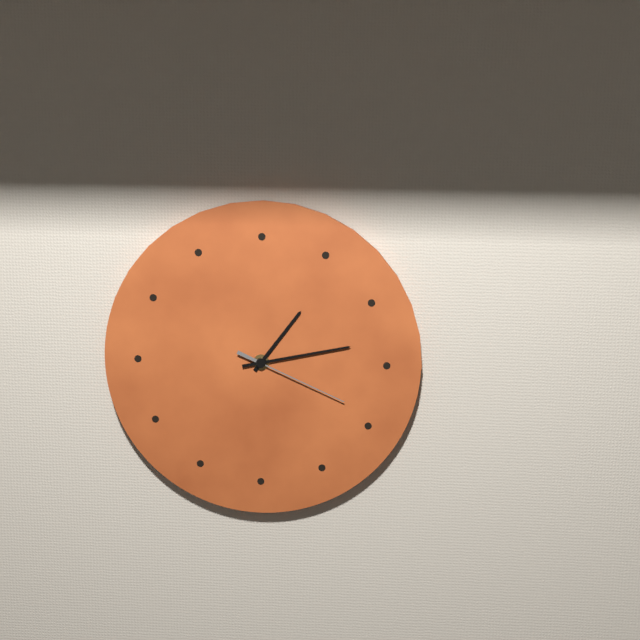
1:13:19
